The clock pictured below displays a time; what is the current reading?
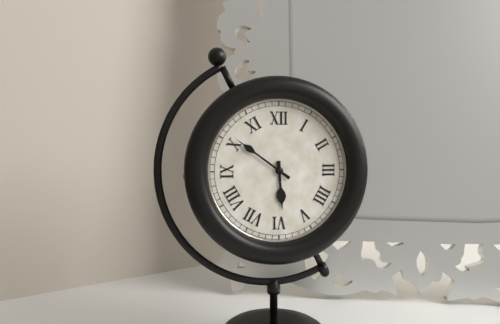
5:51
